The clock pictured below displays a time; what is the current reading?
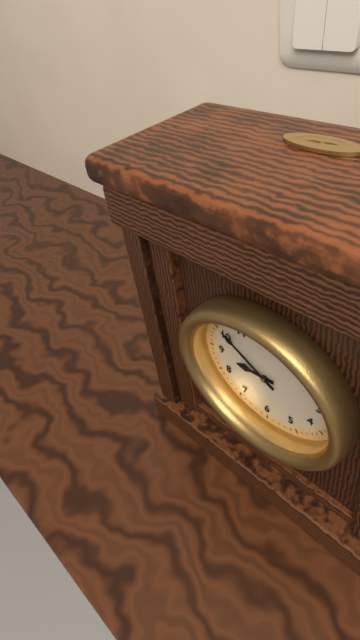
8:50
